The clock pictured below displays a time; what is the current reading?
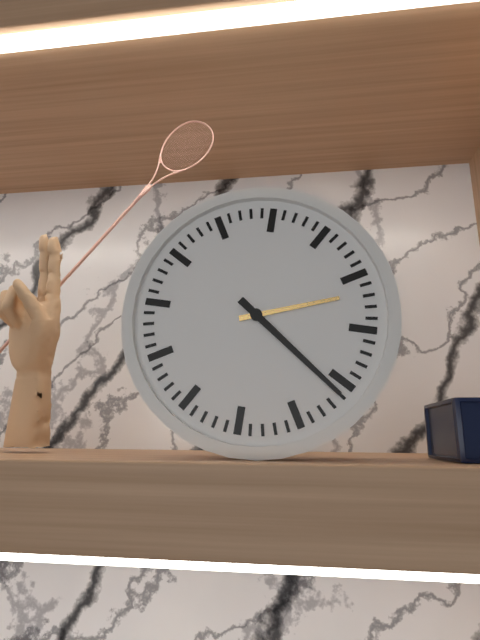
2:21
